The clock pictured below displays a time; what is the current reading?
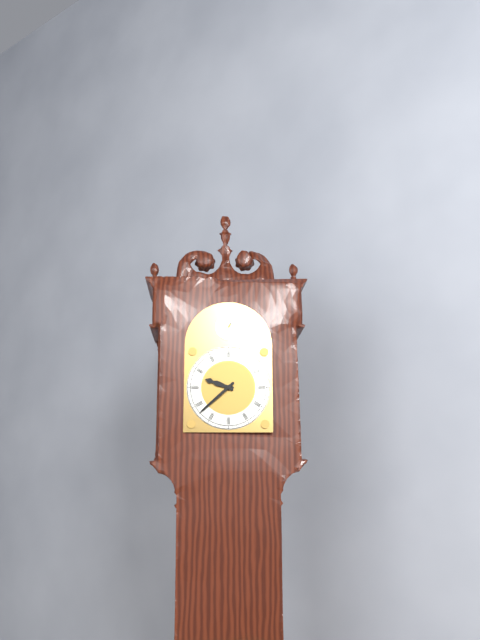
9:38
